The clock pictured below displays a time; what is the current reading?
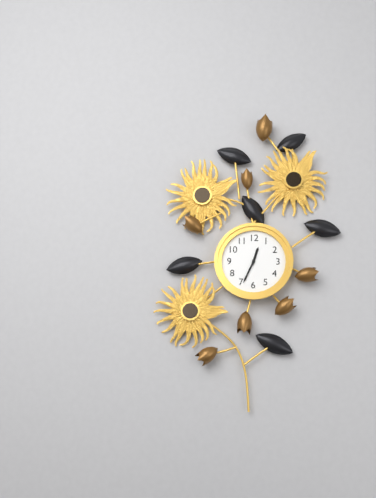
12:34
